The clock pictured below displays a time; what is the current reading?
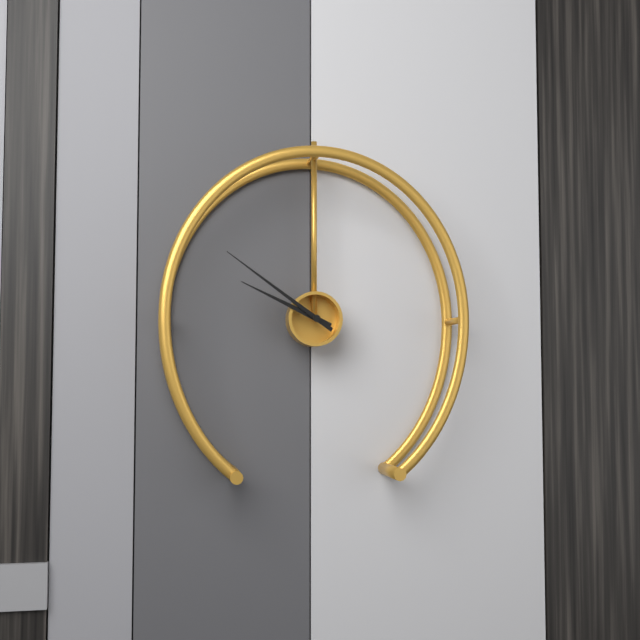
9:51
